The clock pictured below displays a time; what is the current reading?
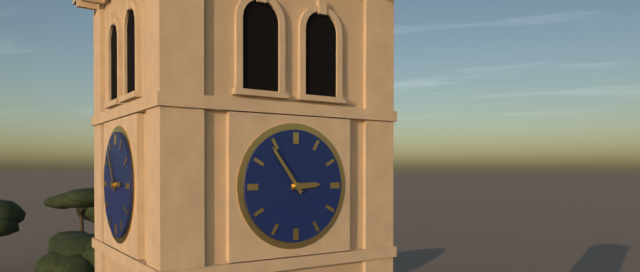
2:54
